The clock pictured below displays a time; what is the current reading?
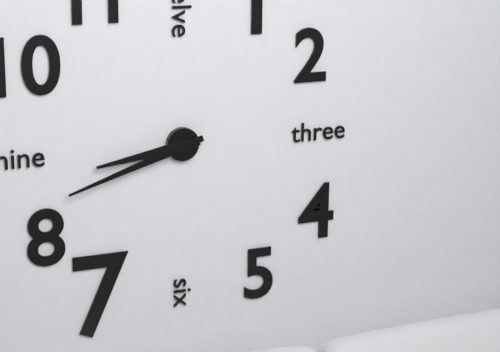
8:42
